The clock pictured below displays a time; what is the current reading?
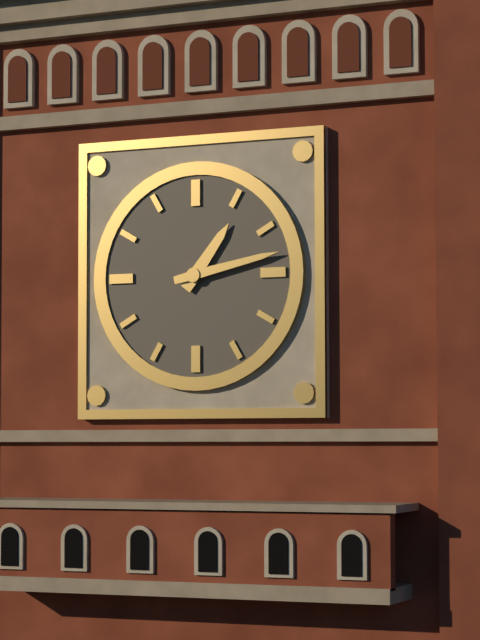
1:13
